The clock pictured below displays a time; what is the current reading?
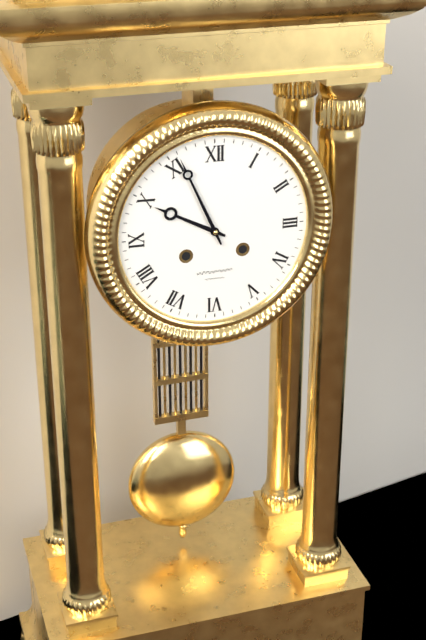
9:56
